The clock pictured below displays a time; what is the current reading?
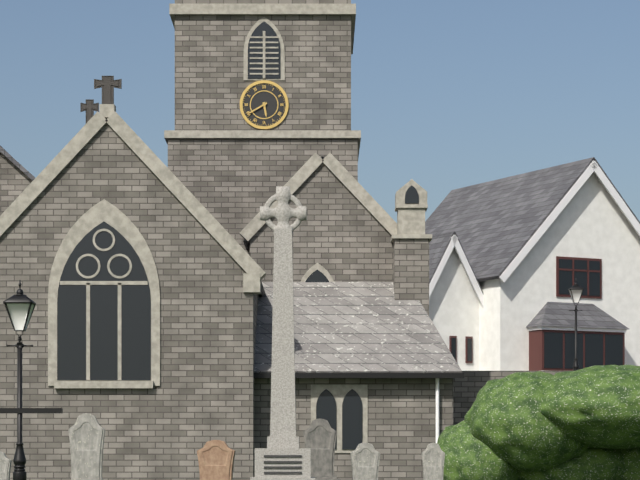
5:40
